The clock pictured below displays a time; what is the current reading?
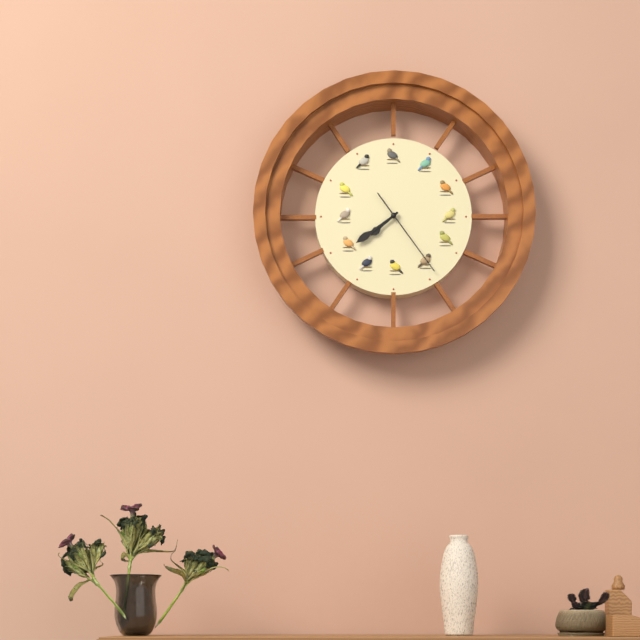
7:39:24
